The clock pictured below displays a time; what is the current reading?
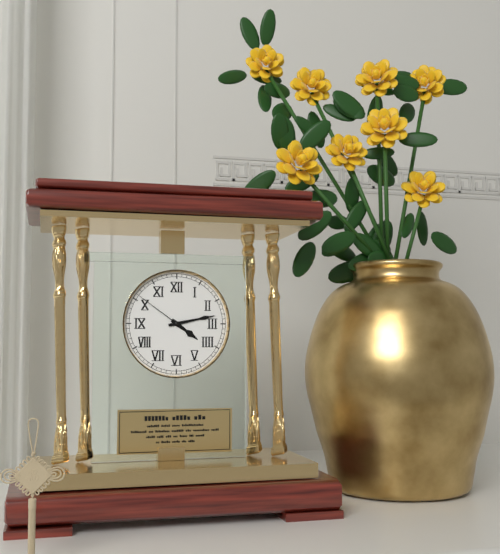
4:13:51
